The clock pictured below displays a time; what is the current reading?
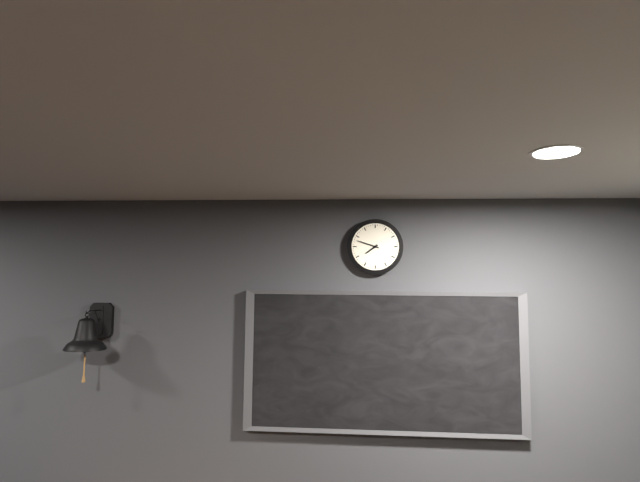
7:48
